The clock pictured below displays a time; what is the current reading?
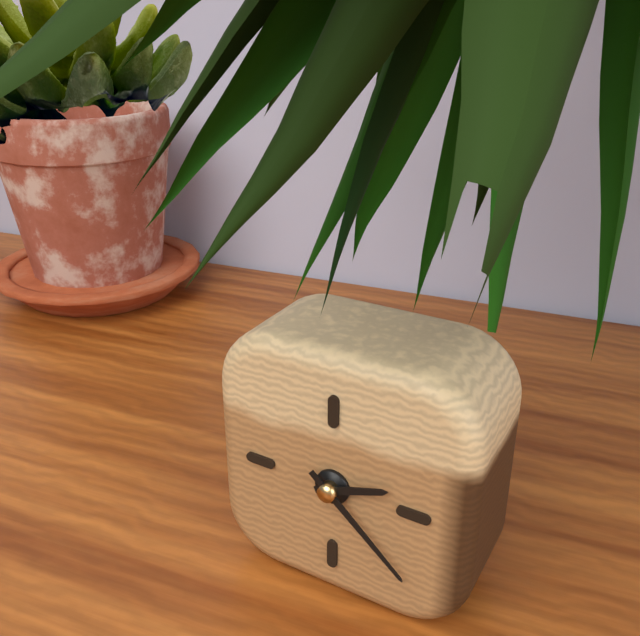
2:22
